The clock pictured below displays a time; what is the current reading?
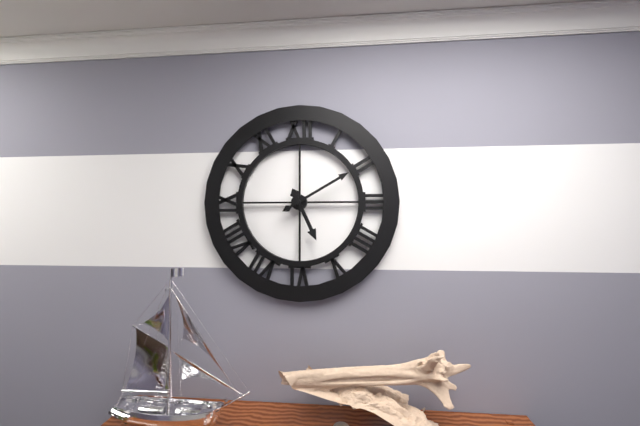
5:10
